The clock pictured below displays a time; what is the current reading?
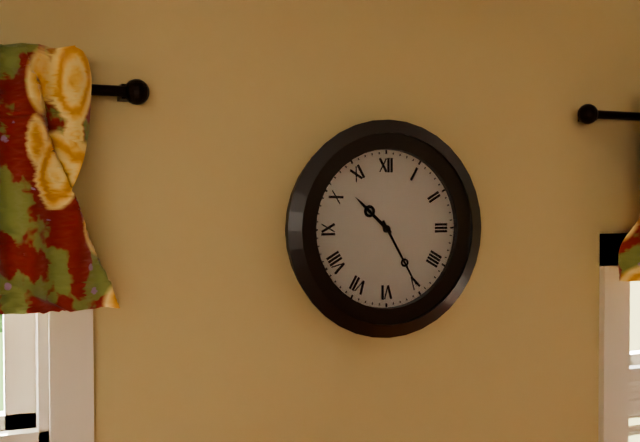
10:25
